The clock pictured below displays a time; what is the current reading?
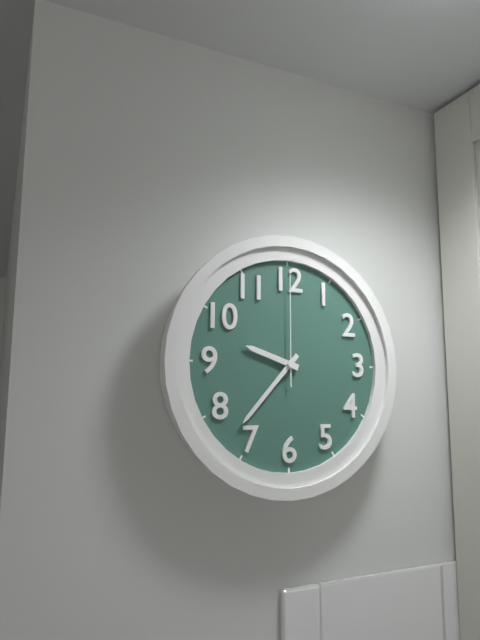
9:37:00
